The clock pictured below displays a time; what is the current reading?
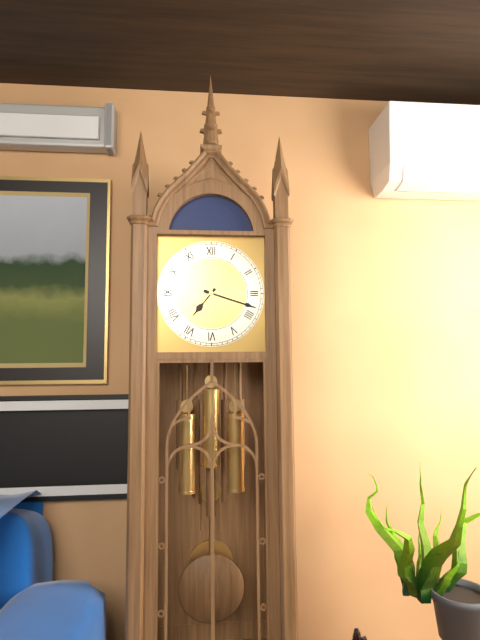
7:18
